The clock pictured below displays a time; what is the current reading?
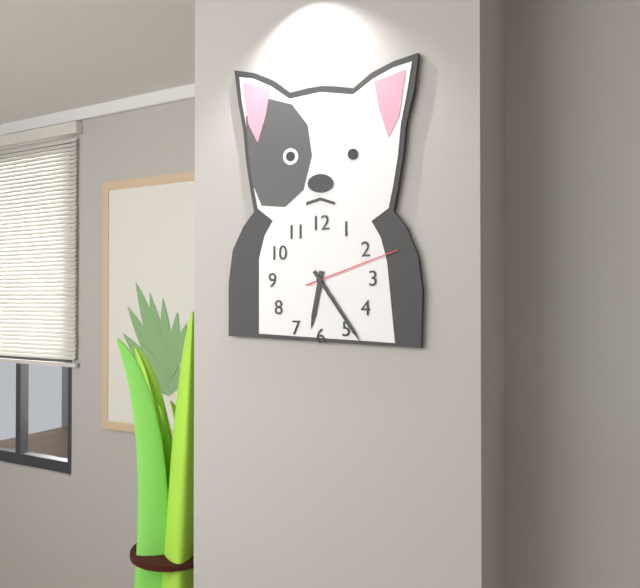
6:24:12
